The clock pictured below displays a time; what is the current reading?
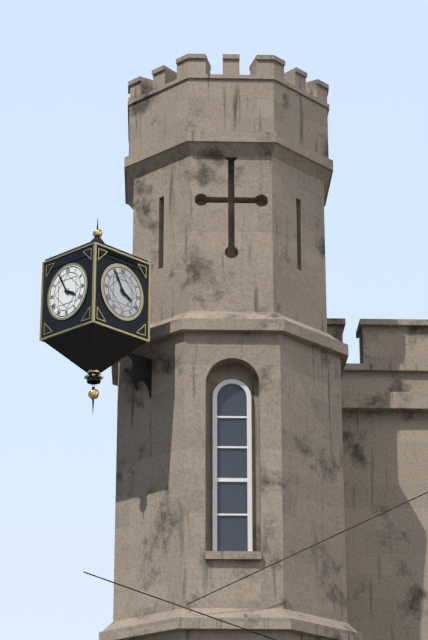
3:55
